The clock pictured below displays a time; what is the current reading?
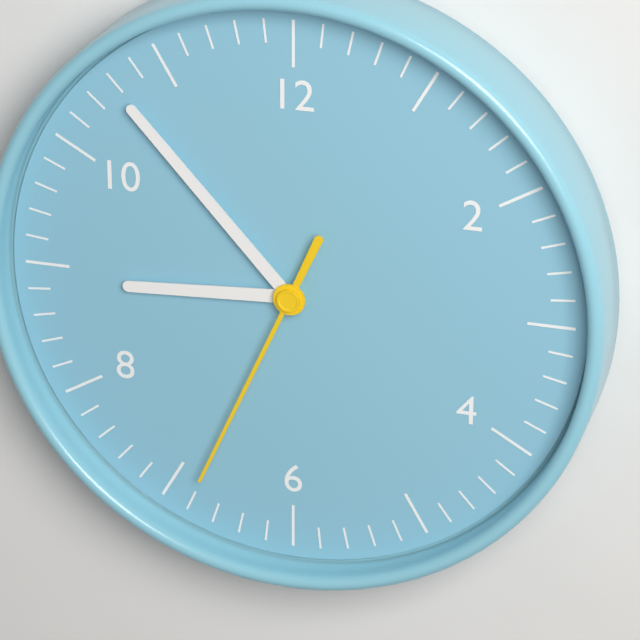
8:53:34
